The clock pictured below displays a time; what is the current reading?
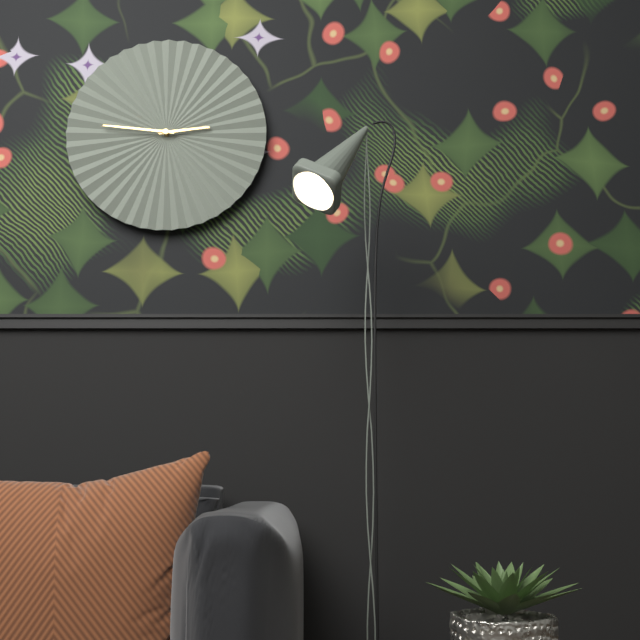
2:46
